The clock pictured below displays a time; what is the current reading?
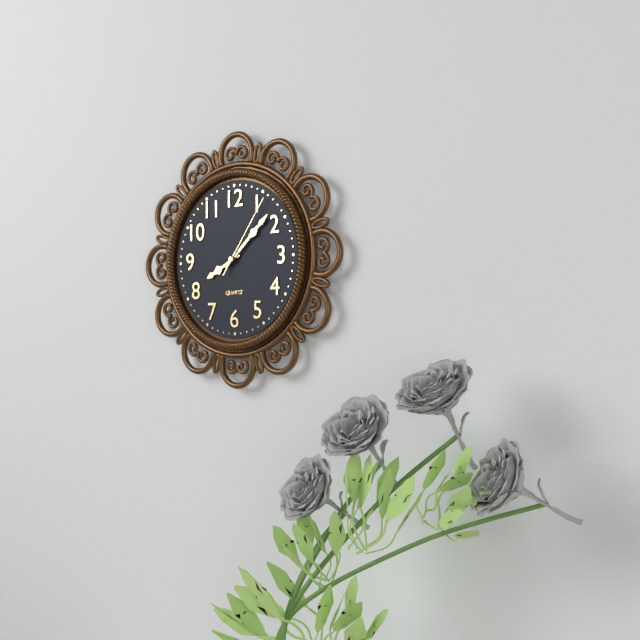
8:08:06
